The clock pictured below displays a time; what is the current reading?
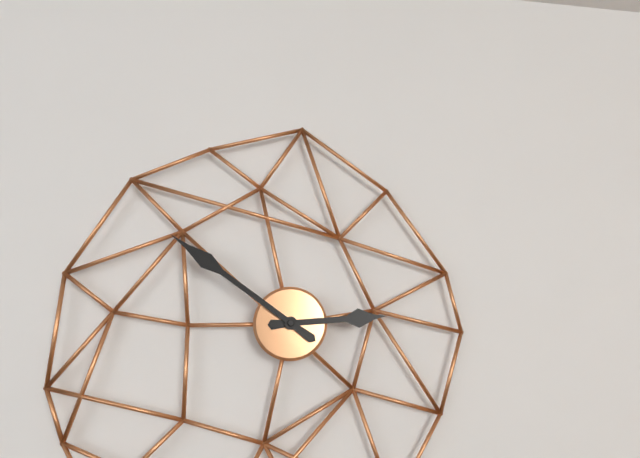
2:51
